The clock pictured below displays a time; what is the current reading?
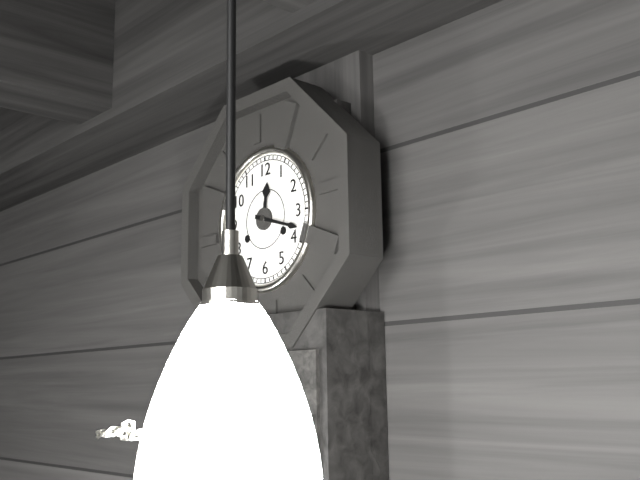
12:18
